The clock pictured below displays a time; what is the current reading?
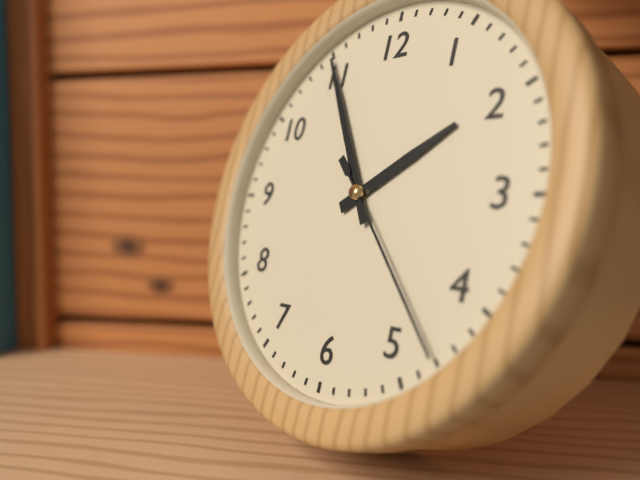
1:55:23
